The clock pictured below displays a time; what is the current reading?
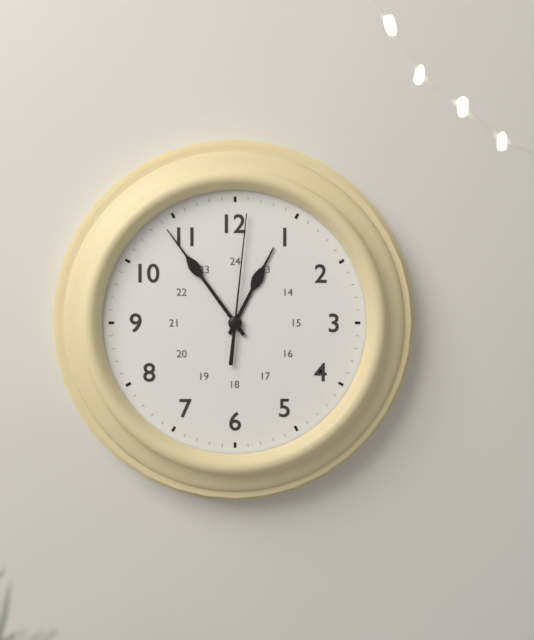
12:54:01
